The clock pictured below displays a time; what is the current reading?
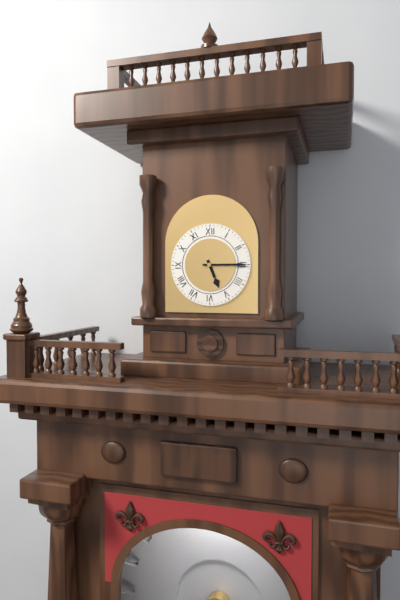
5:15
